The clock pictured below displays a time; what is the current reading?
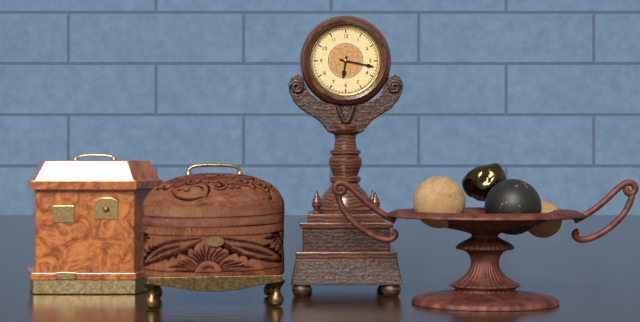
6:17
